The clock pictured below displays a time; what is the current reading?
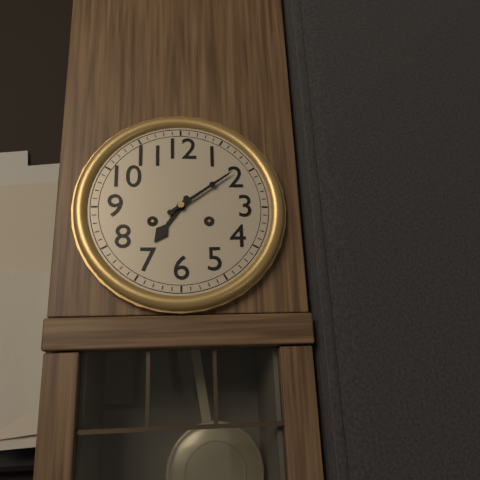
7:09
